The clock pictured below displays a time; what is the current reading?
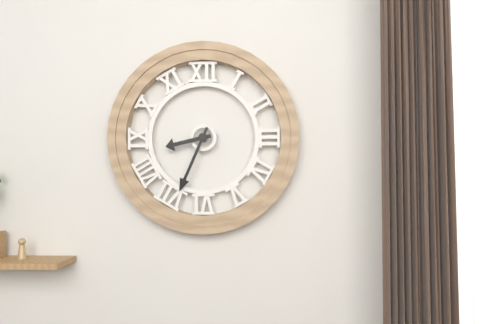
8:34
